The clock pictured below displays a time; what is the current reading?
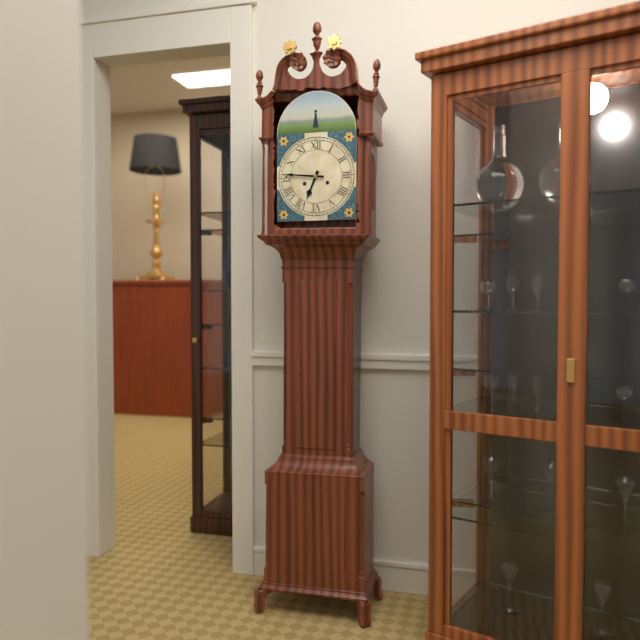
6:46
